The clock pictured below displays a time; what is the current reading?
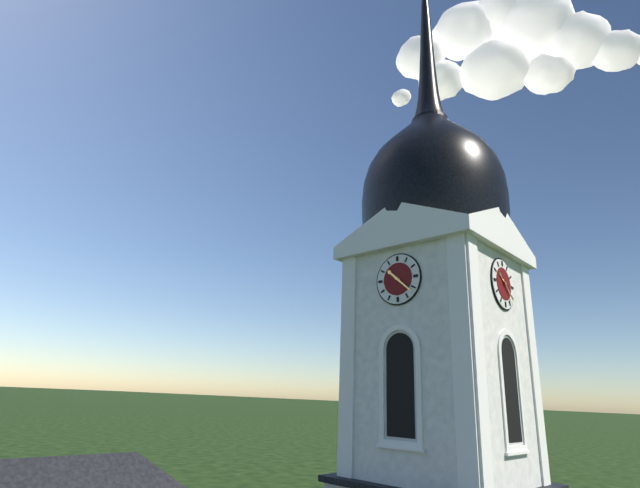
10:22
